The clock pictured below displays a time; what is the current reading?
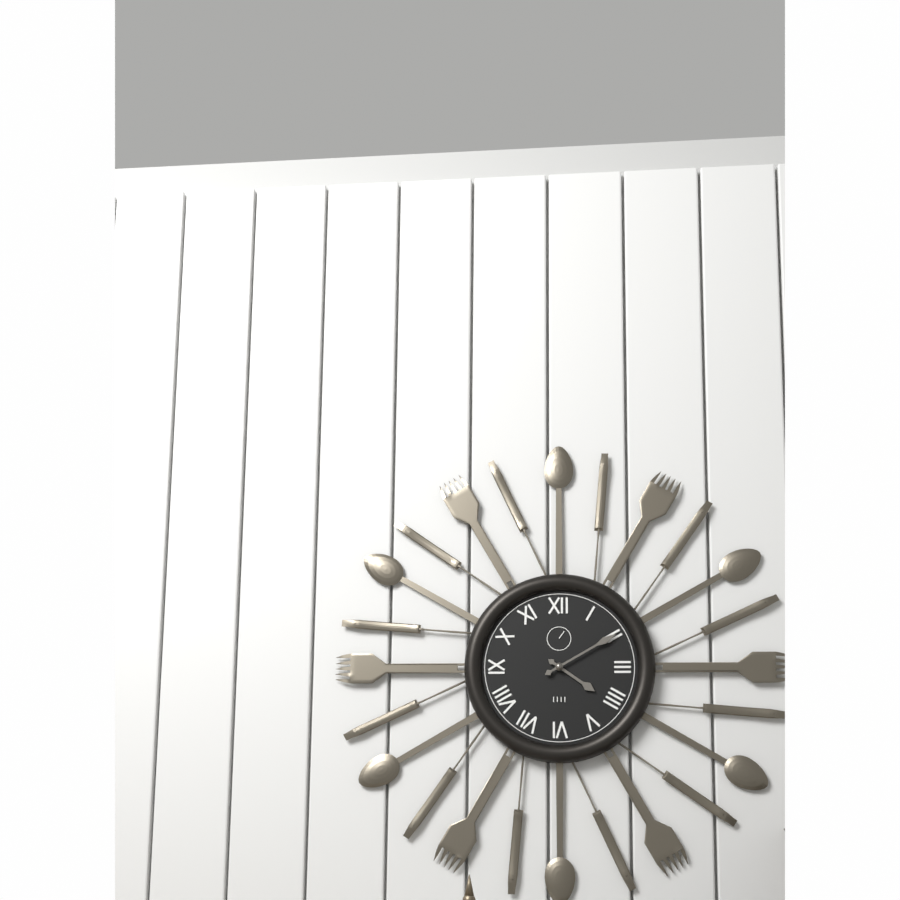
4:10
